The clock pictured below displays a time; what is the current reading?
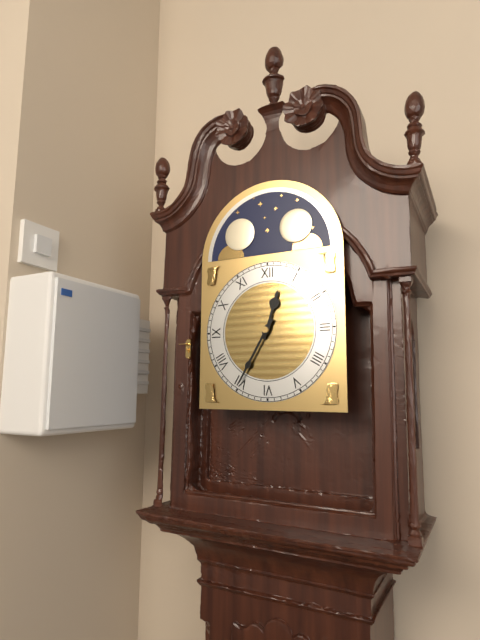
12:35
